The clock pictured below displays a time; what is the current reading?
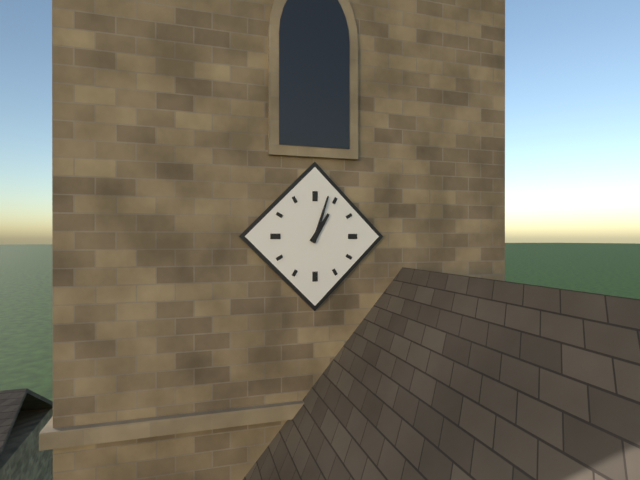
1:03
